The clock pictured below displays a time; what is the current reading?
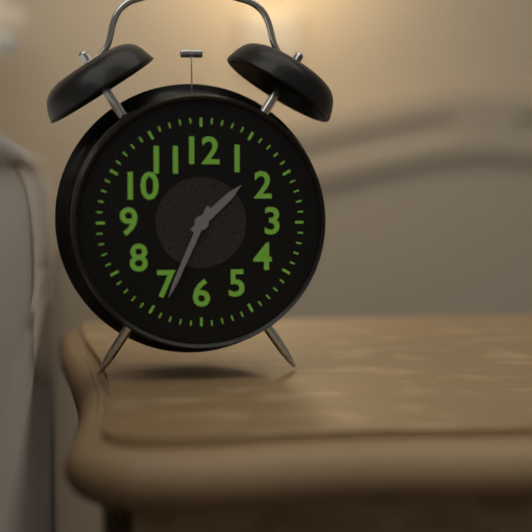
1:34
